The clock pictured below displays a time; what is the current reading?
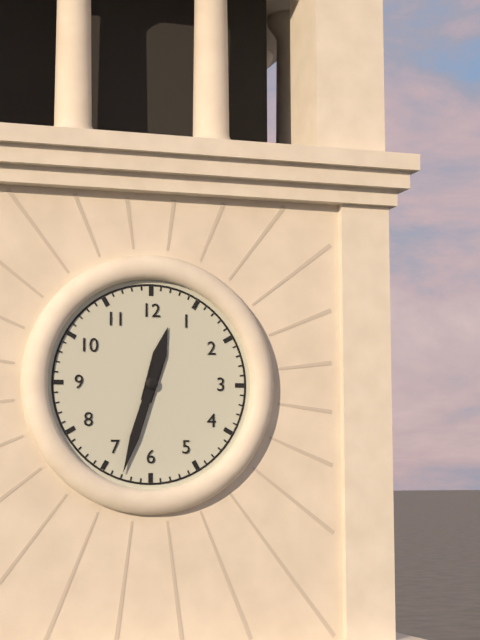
12:33
